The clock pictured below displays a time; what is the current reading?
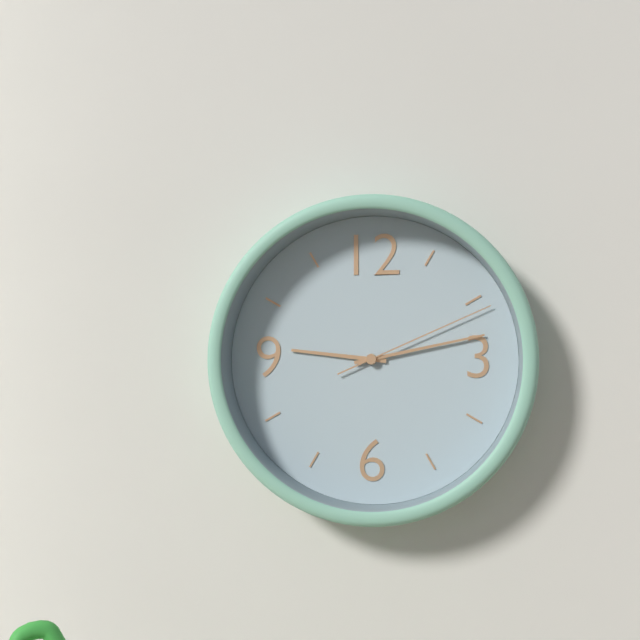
9:13:11
